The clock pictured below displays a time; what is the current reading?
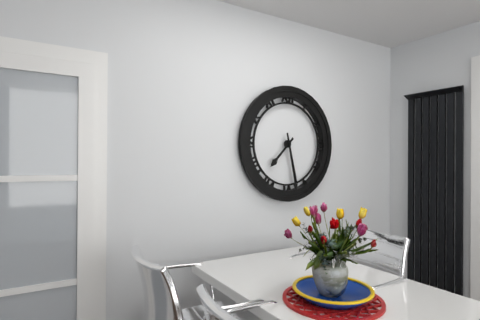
7:28
